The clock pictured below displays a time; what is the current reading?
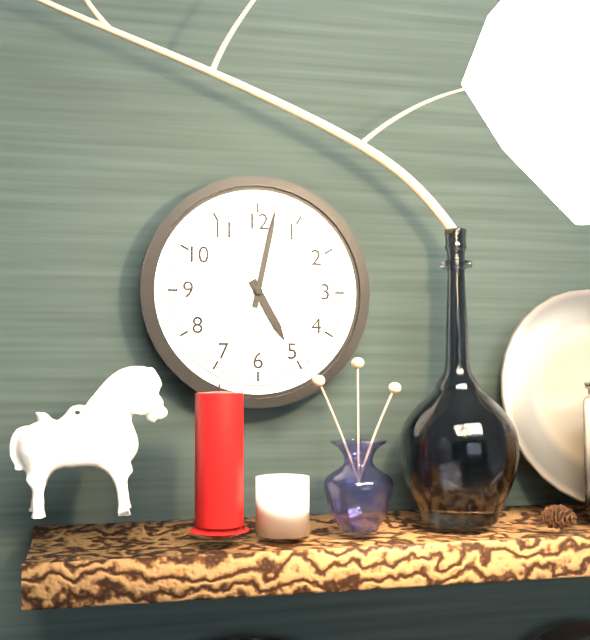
5:02
